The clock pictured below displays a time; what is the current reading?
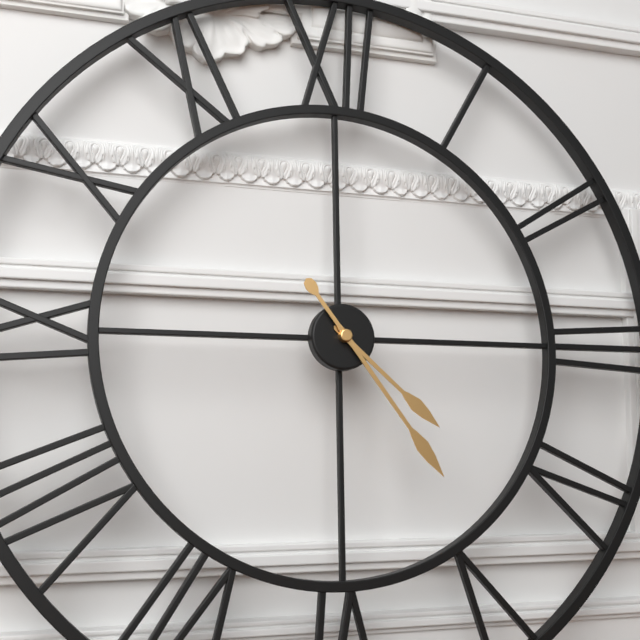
4:24
